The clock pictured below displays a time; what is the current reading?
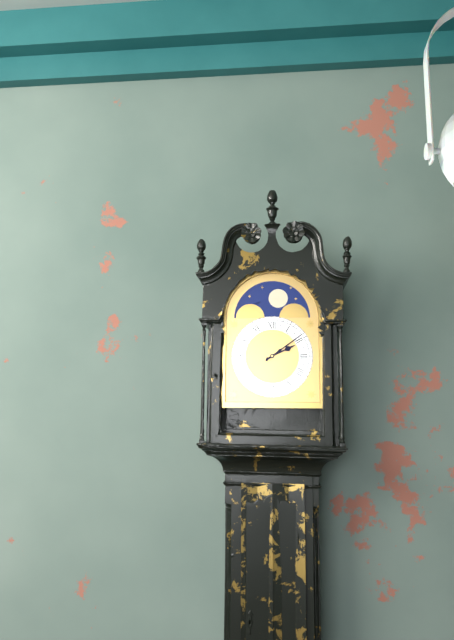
2:09
